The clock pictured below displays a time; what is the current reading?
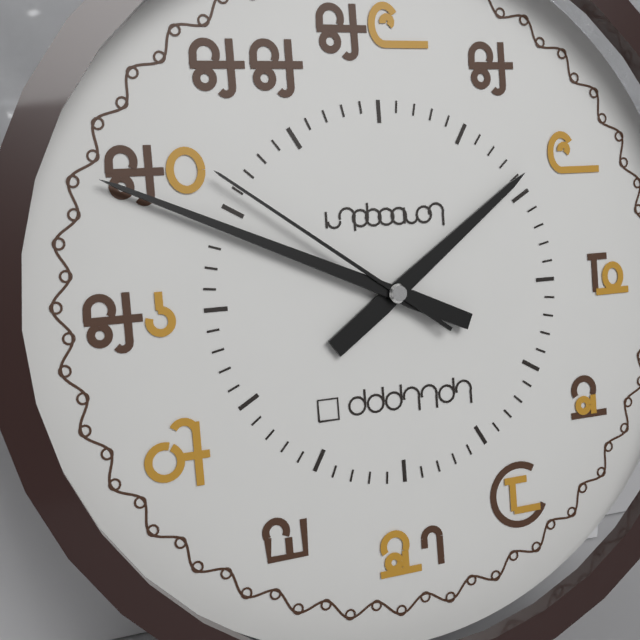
1:49:51
